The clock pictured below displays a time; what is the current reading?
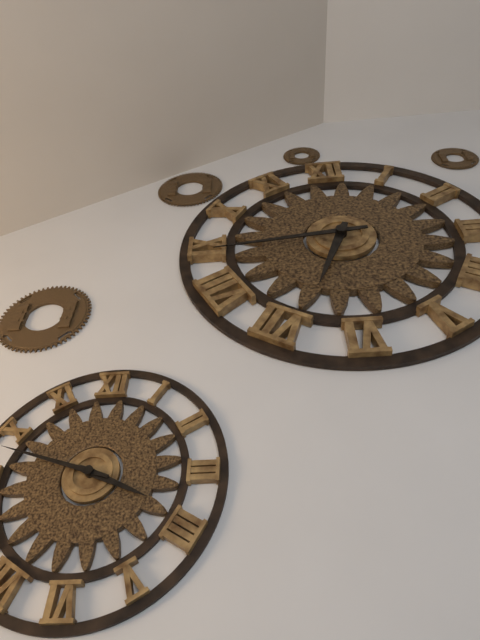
6:44
